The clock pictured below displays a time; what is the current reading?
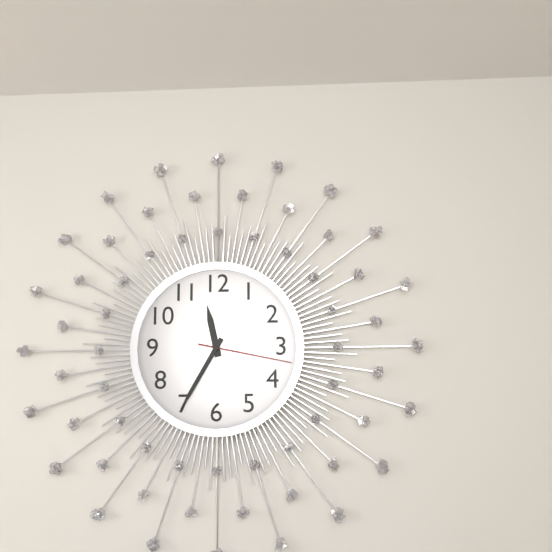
11:35:17
